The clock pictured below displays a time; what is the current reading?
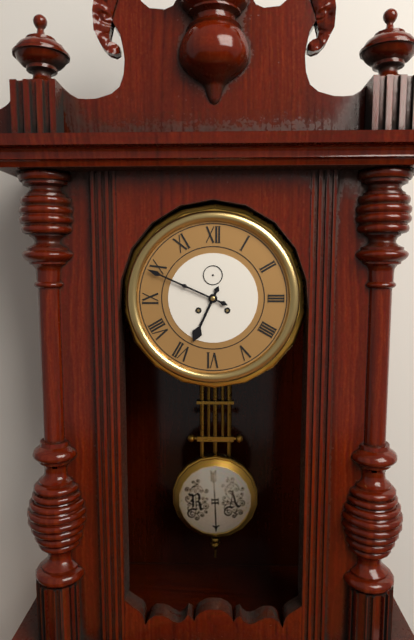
6:49
